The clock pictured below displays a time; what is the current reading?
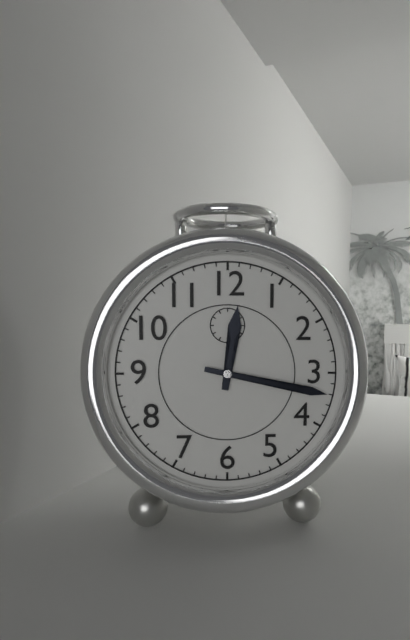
12:17
